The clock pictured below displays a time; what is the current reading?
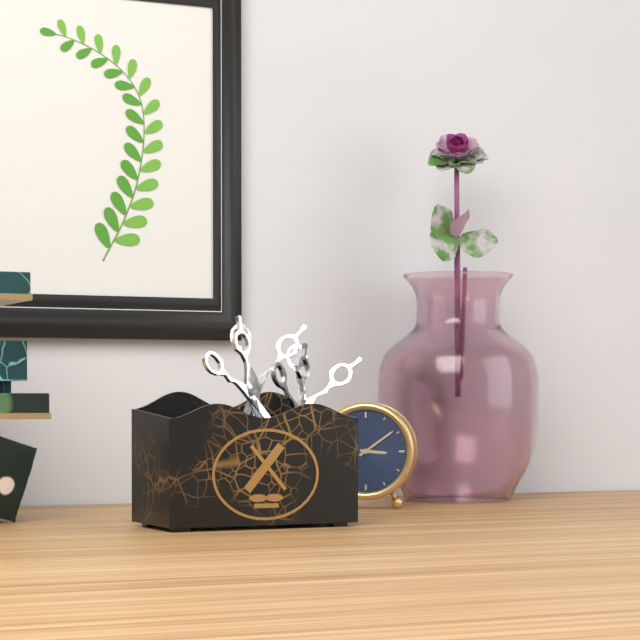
3:09
